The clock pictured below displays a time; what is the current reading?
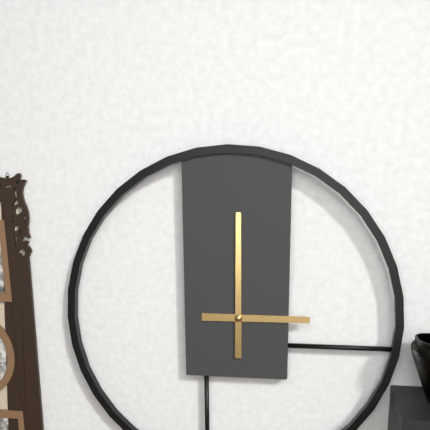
3:00
